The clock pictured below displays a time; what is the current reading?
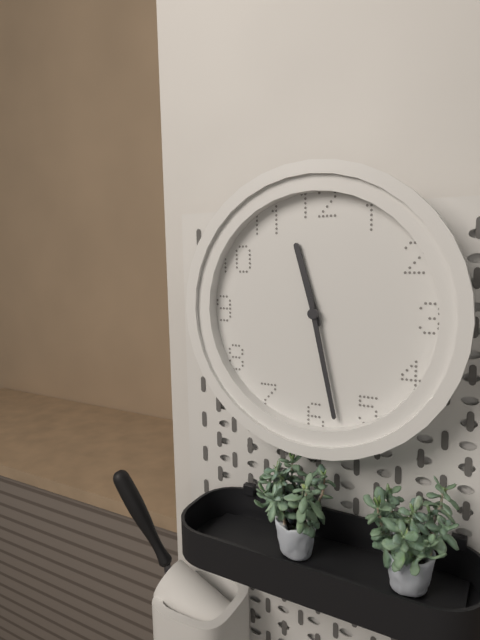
11:28
